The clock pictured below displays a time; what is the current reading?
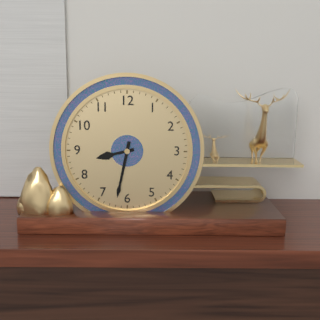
8:32
